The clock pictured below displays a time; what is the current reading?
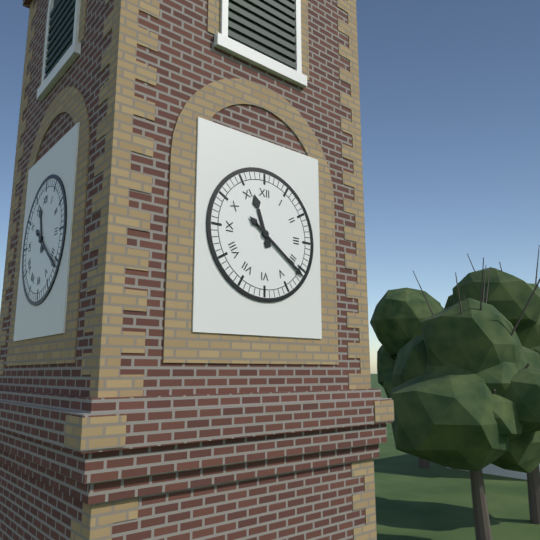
11:21
